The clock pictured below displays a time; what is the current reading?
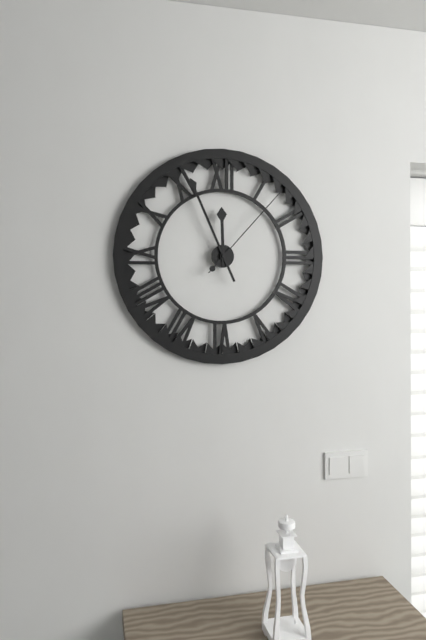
11:56:07
